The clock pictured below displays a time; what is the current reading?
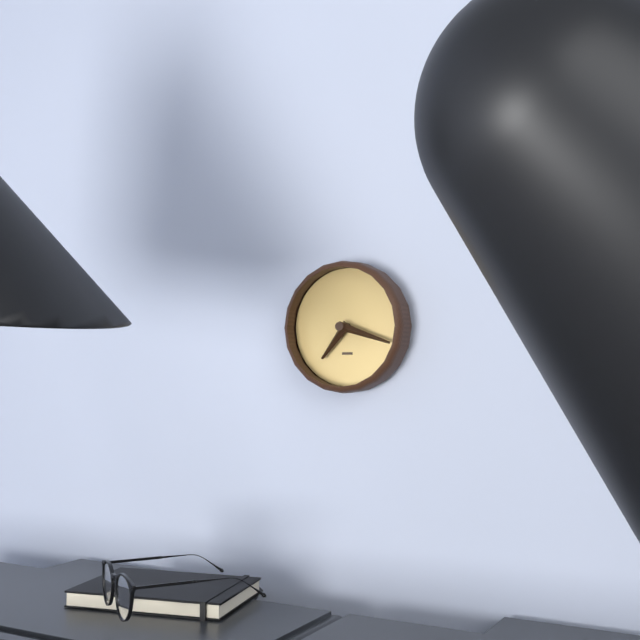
7:18
